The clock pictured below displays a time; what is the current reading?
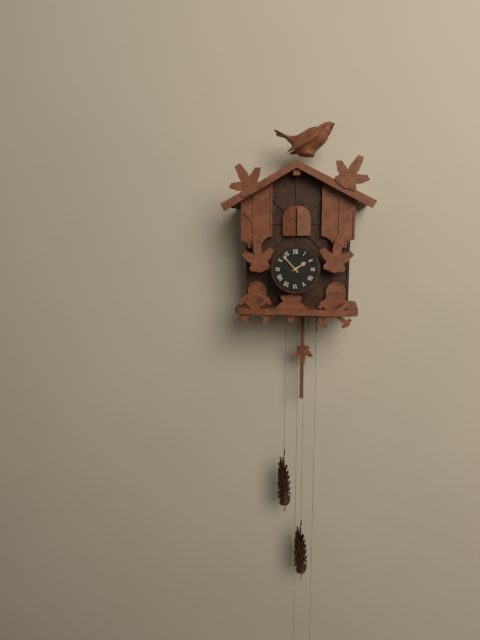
1:53
